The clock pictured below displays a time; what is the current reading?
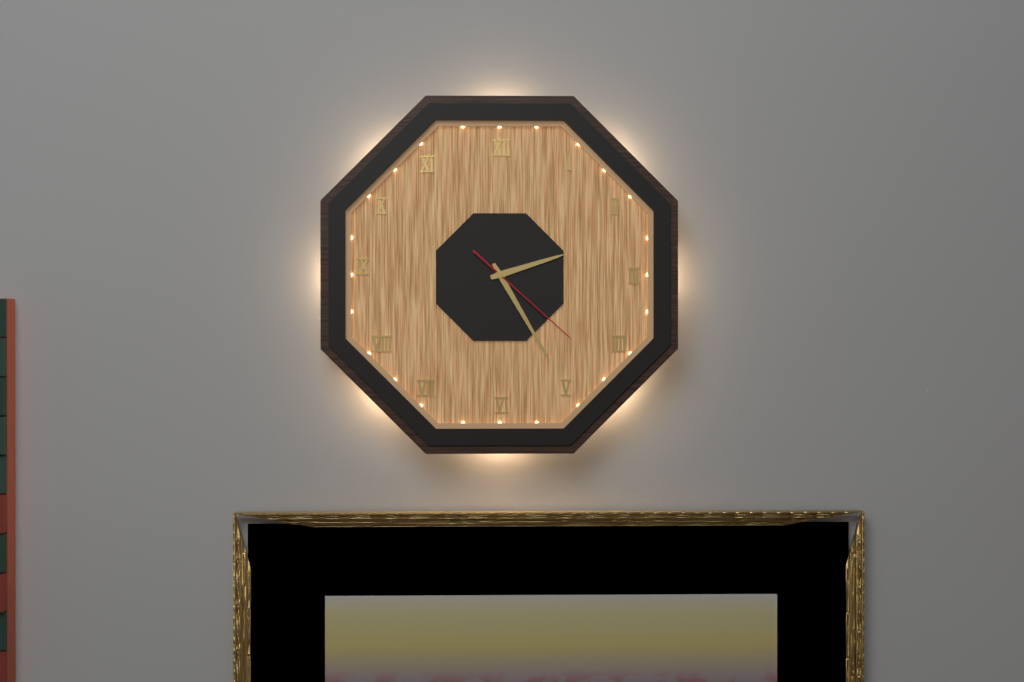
2:25:22
